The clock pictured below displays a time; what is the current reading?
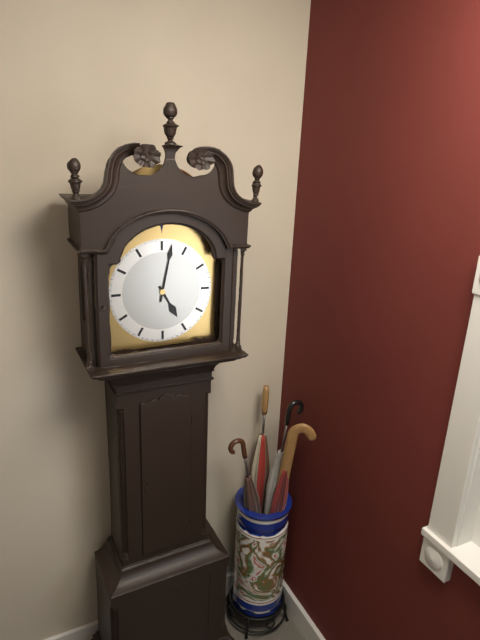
5:02
